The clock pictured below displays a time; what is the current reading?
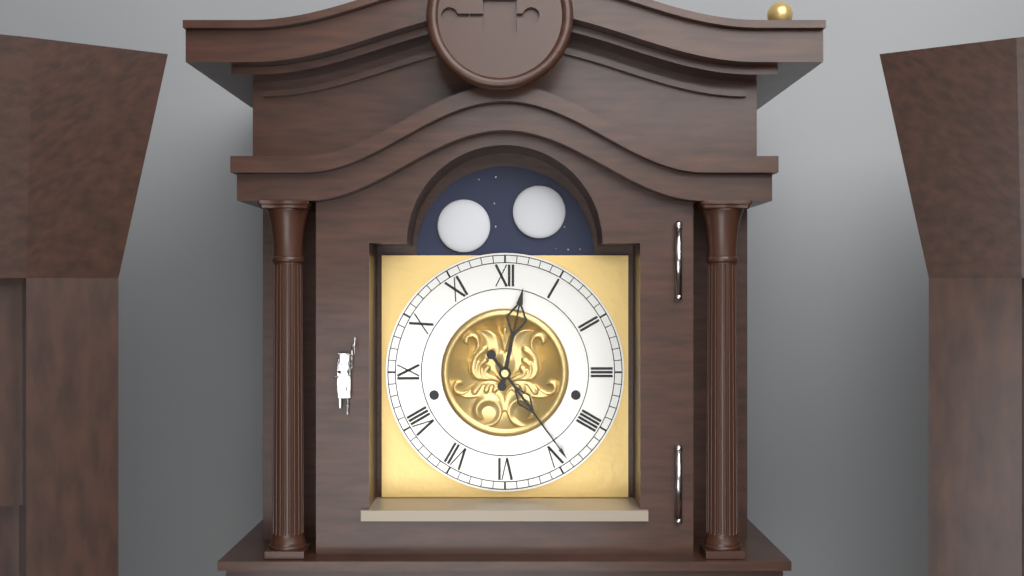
12:24
